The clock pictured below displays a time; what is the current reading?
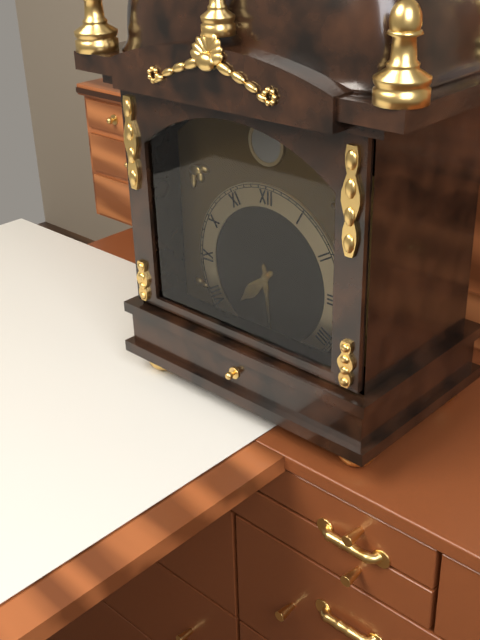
7:29
